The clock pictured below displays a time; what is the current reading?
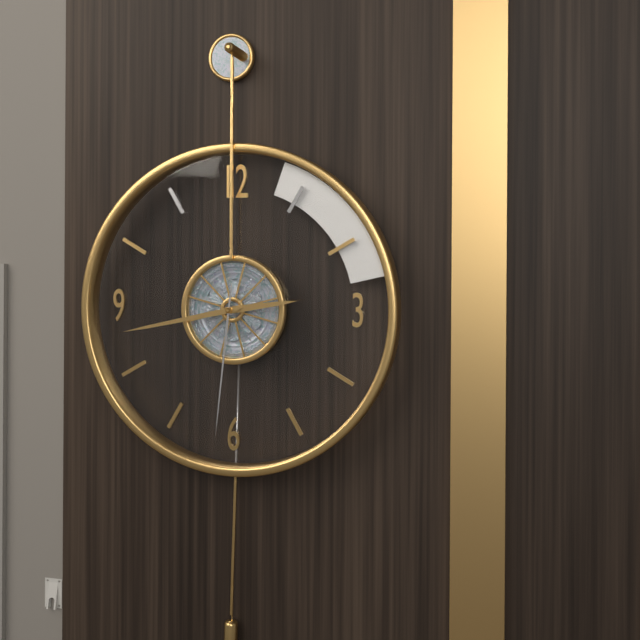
2:43:31
